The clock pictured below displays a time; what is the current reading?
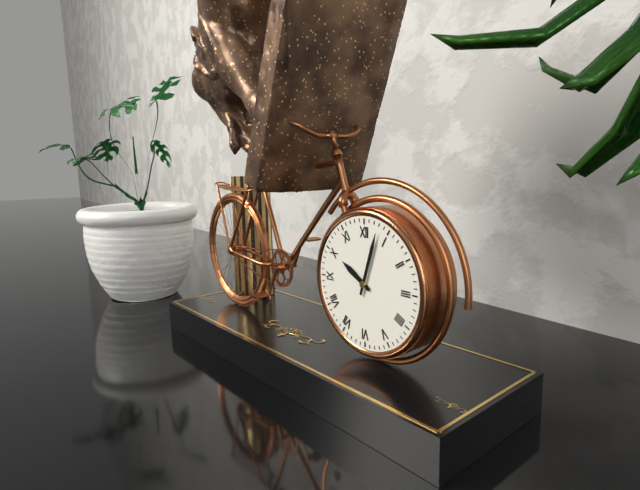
10:03
